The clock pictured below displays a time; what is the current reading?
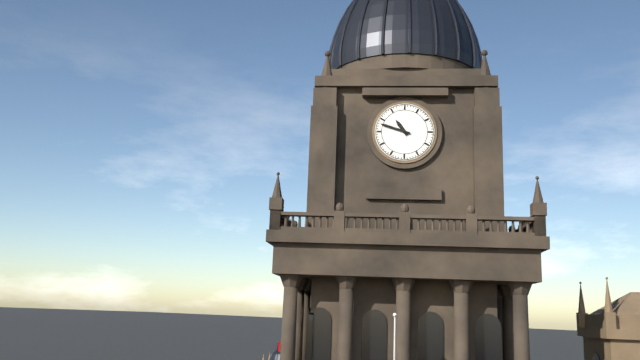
10:48
